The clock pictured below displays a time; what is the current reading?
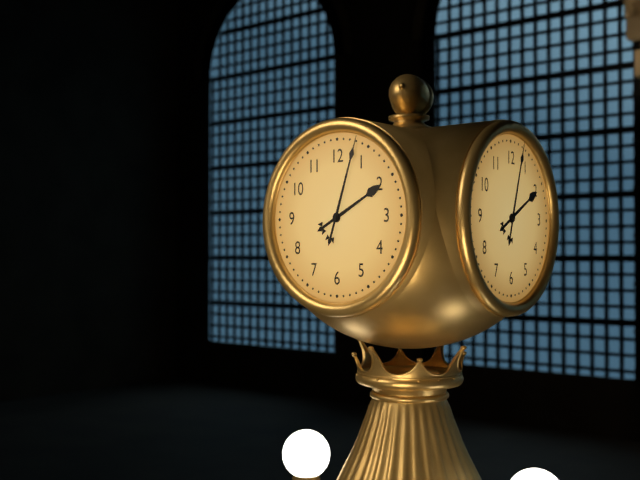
2:03
